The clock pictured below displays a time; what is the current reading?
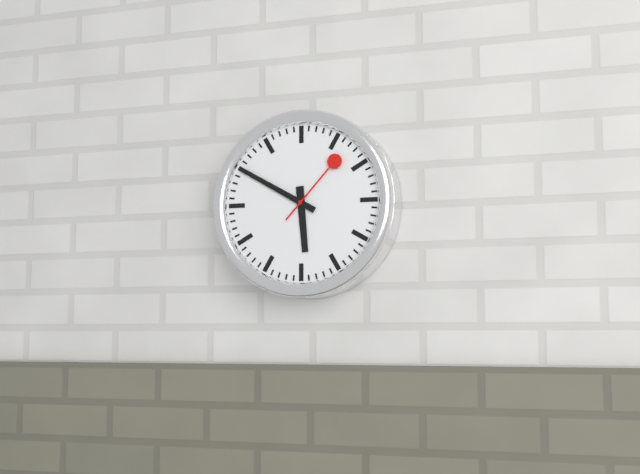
5:50:07
